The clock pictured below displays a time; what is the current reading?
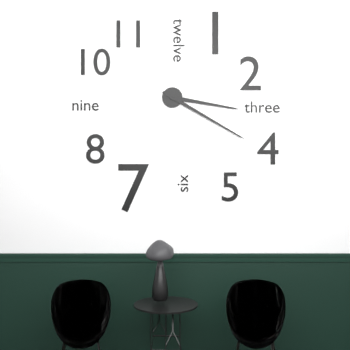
3:20
